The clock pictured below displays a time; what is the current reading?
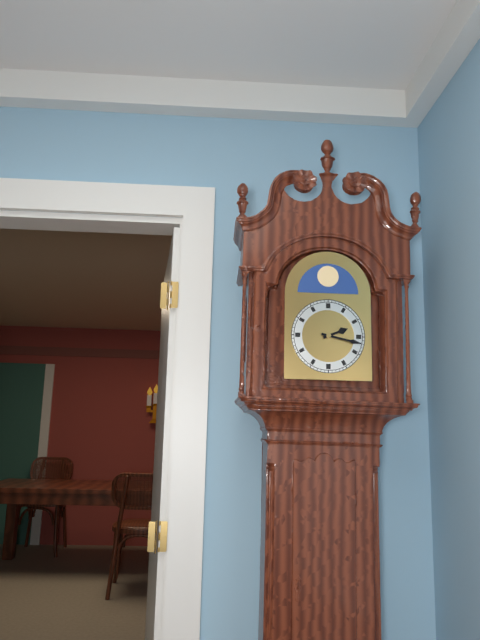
2:17
